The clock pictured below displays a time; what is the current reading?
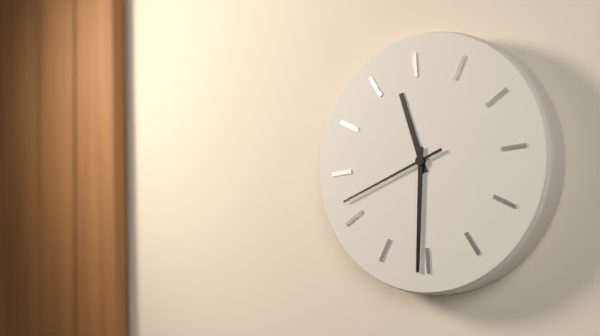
11:31:42
